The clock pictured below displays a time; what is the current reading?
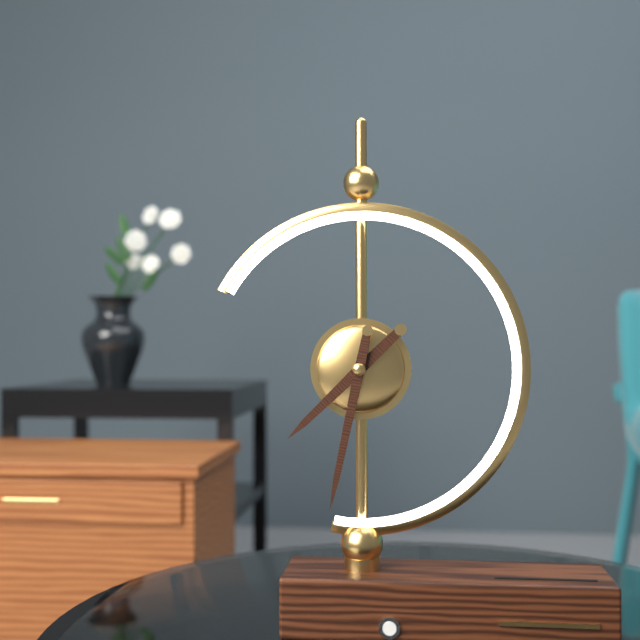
7:32
